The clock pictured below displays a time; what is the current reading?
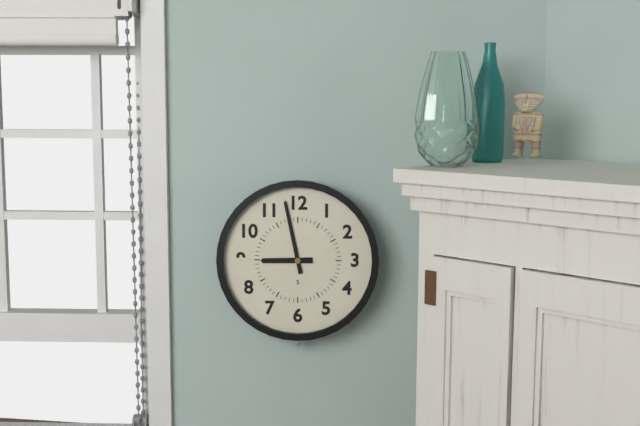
8:58
